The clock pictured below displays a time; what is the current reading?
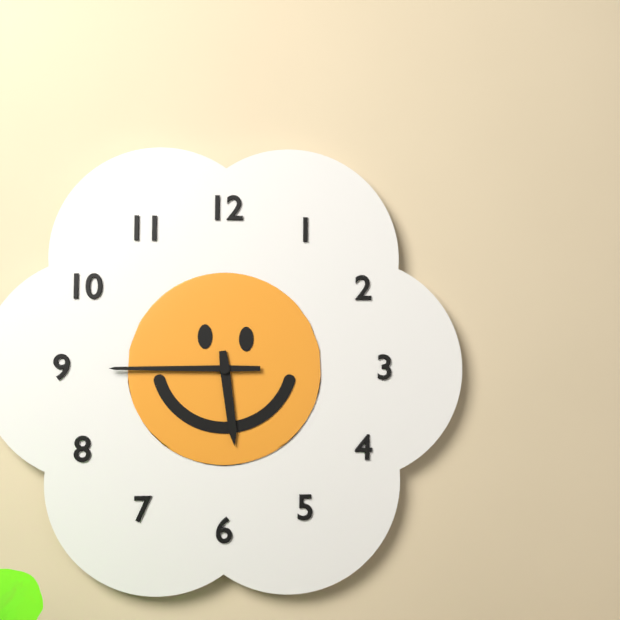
5:45
